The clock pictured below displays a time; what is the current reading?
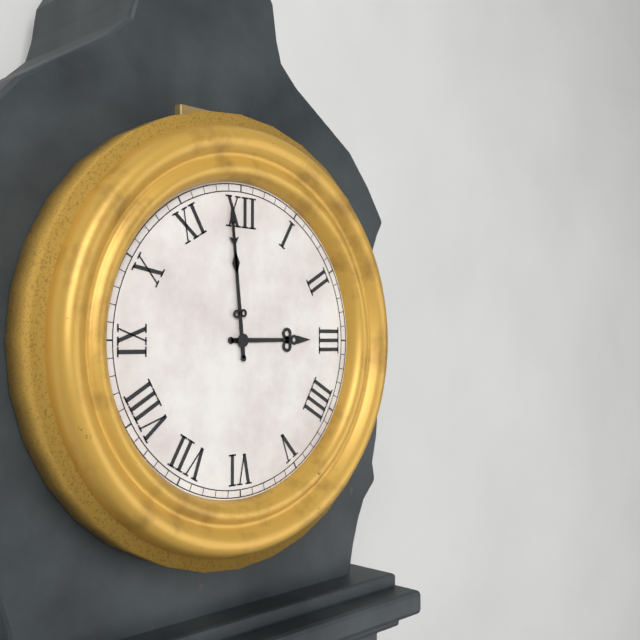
2:59
